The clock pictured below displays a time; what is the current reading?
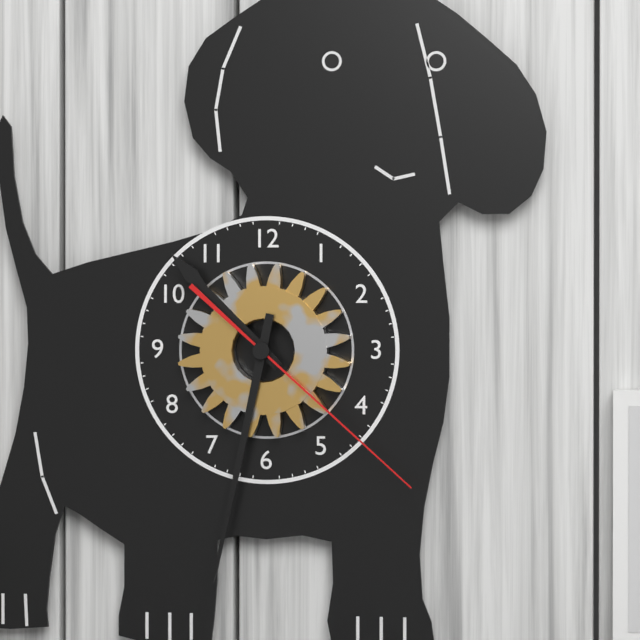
10:32:22
